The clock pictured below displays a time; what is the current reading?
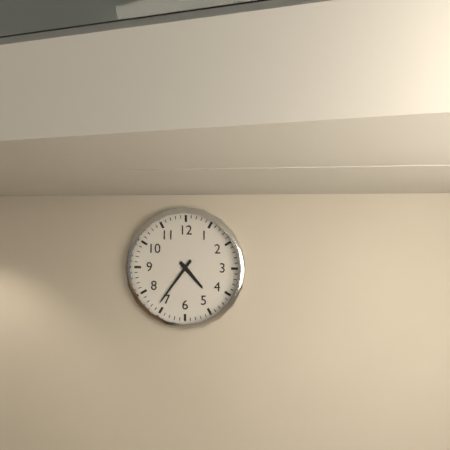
4:36
